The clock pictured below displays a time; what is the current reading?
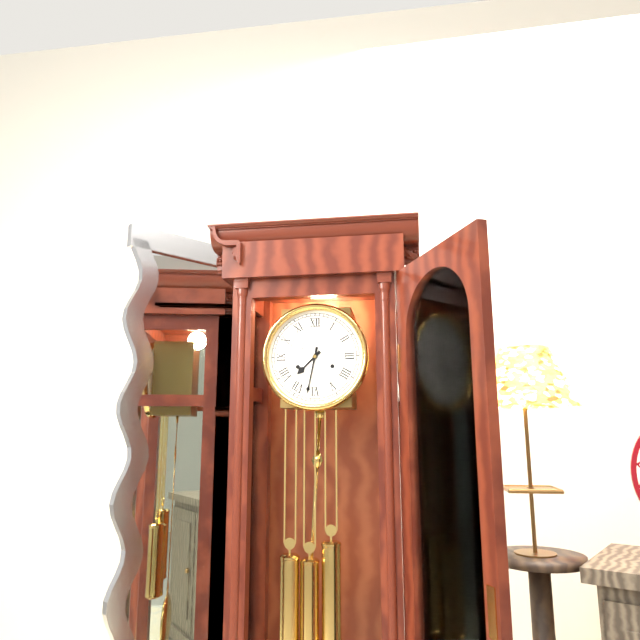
7:32
